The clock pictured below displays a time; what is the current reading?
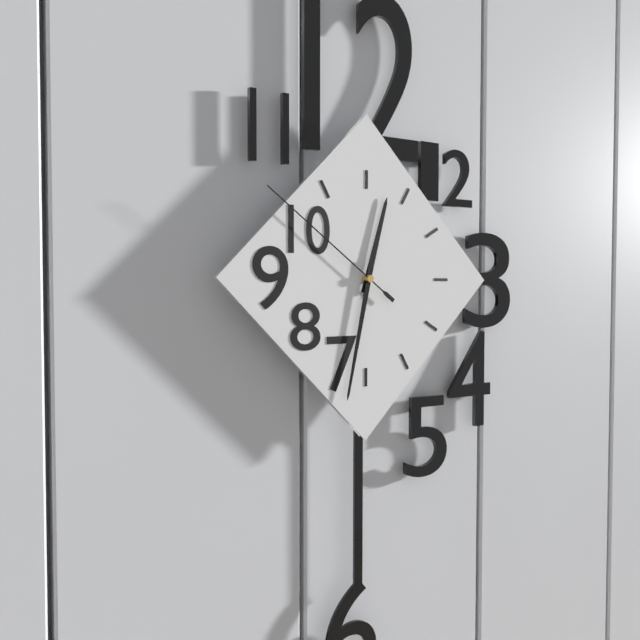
12:32:51
